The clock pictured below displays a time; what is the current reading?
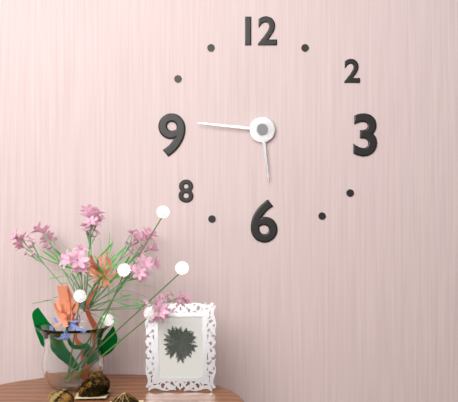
5:46
